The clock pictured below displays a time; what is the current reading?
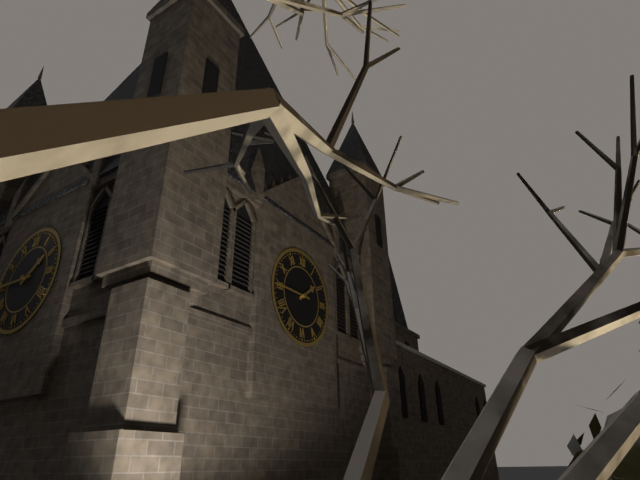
1:45
